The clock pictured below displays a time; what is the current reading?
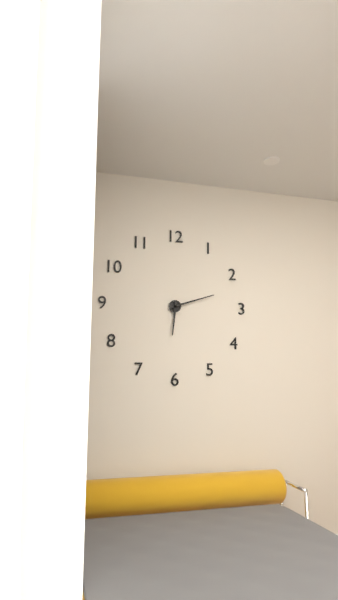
6:12
